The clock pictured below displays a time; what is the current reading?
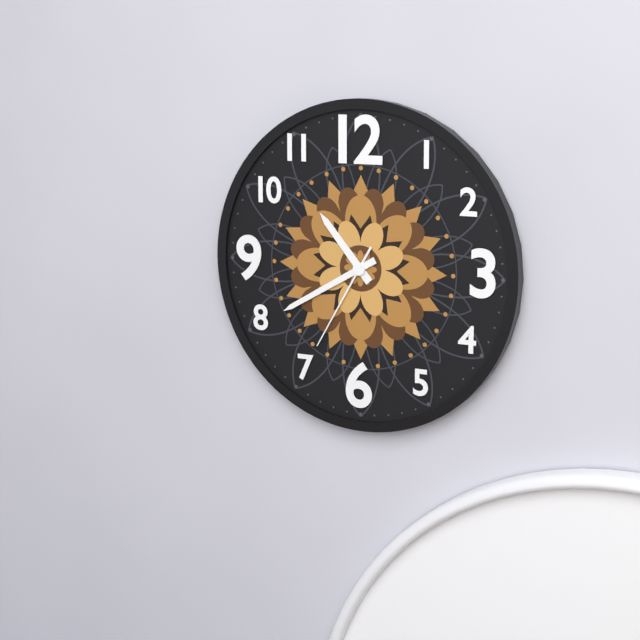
10:40:35
